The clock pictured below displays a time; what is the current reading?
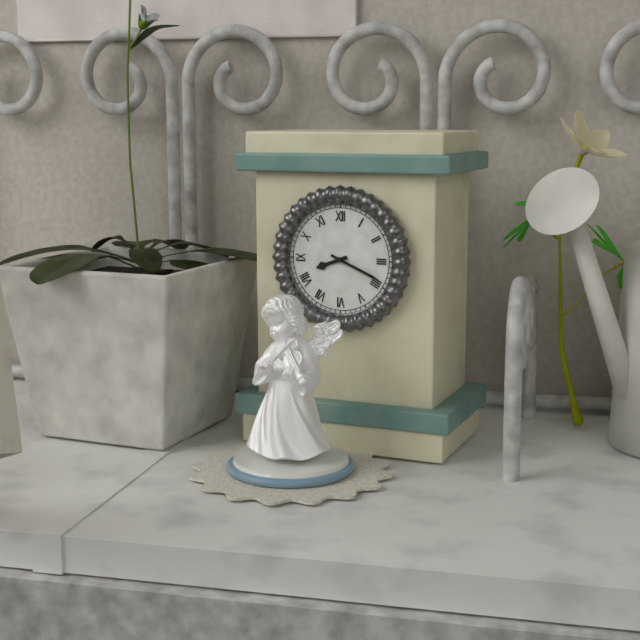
8:19
